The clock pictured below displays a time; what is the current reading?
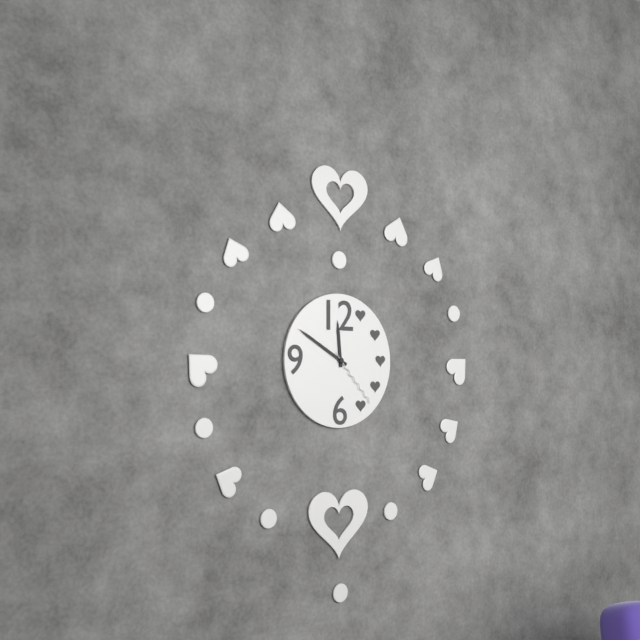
11:50:23
